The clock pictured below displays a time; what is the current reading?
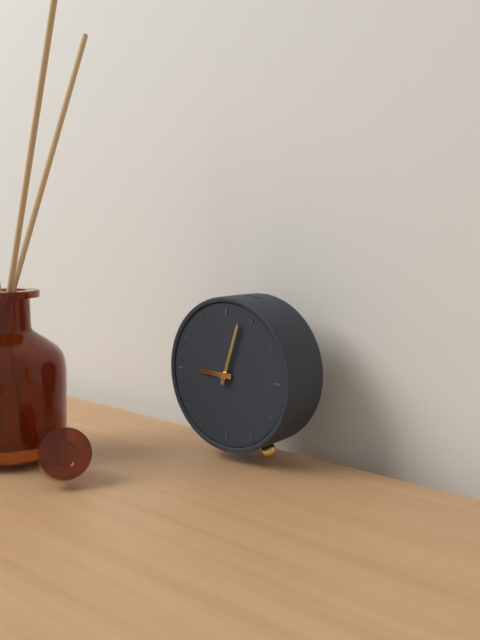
9:03
